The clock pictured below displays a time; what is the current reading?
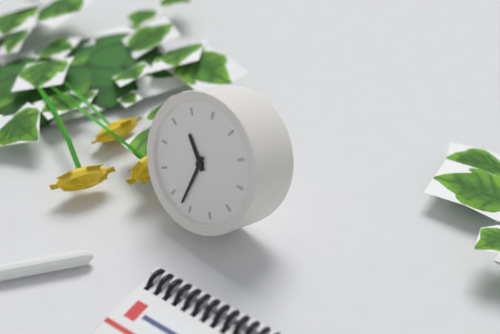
10:32
